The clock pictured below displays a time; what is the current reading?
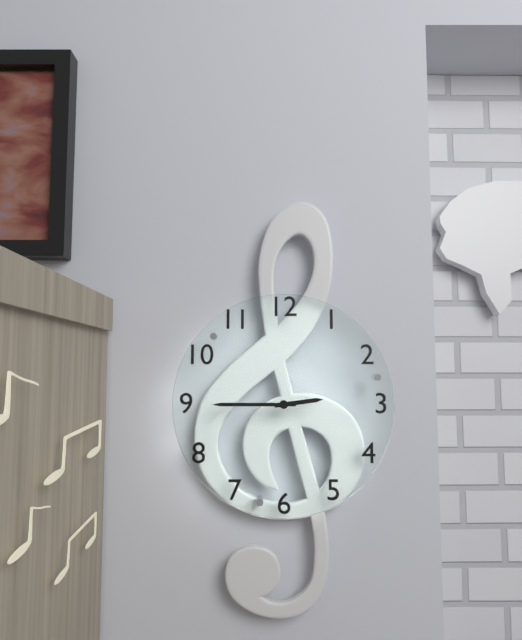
2:45
